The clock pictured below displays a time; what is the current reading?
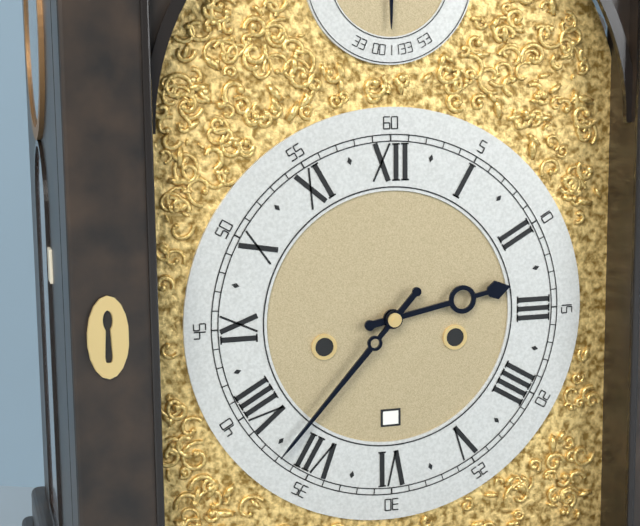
2:37
